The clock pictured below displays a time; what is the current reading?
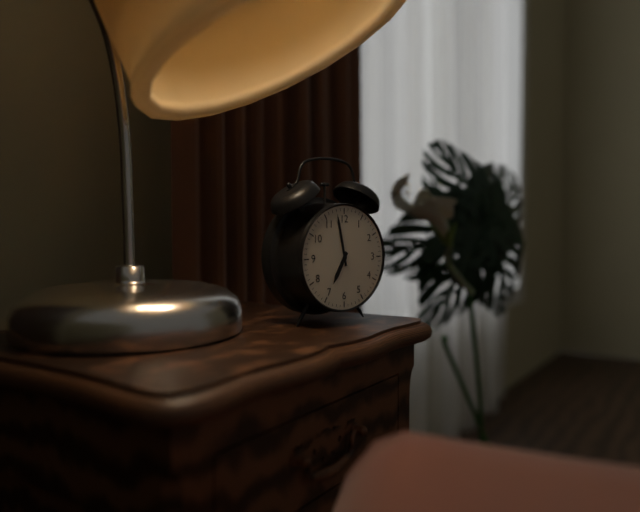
6:58
